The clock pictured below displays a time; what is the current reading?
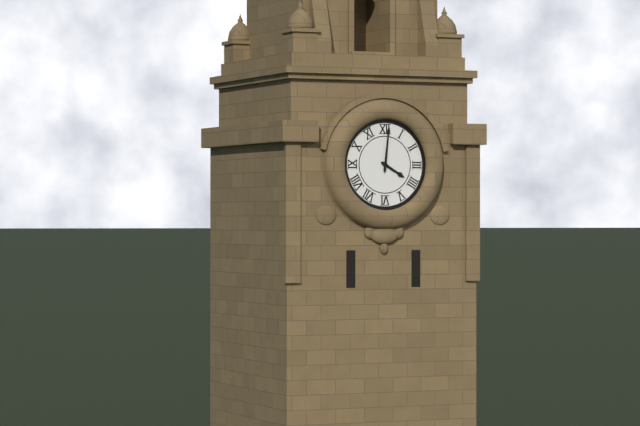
4:01
